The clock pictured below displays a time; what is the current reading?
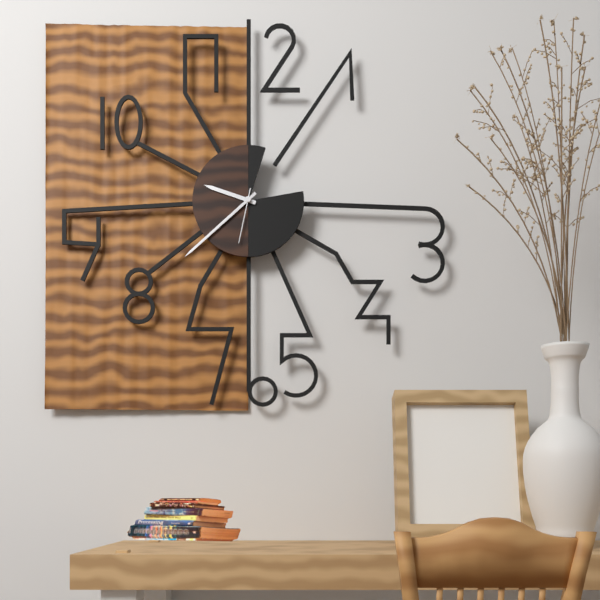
9:38
